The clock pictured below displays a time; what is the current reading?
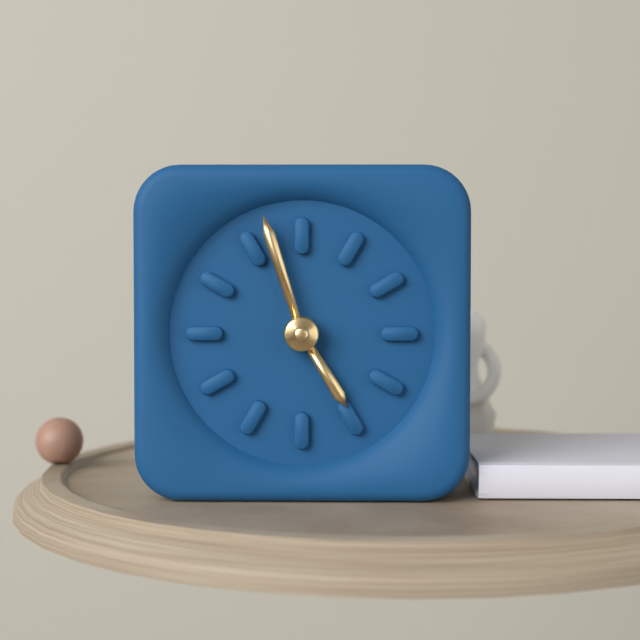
4:57
